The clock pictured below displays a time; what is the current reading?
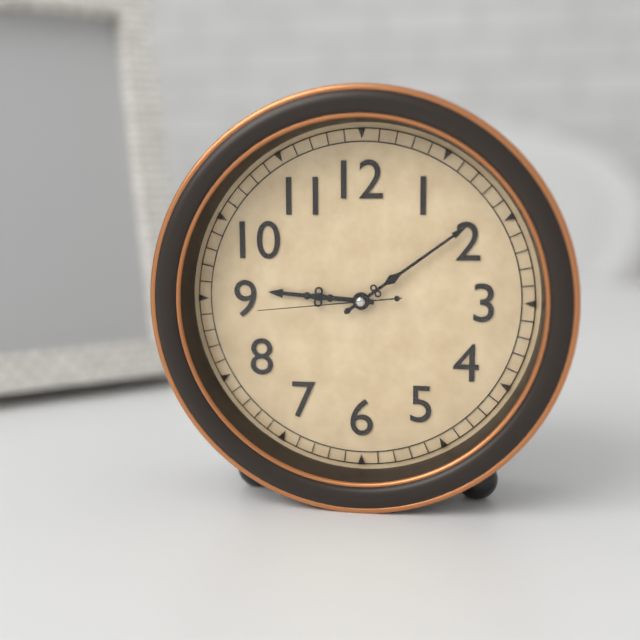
9:09:44
